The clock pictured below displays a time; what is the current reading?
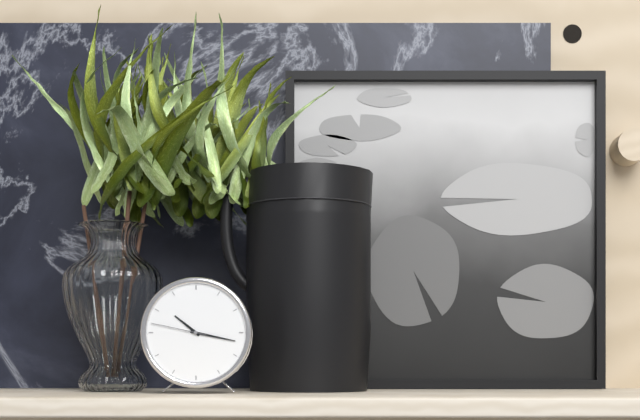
10:17:47
